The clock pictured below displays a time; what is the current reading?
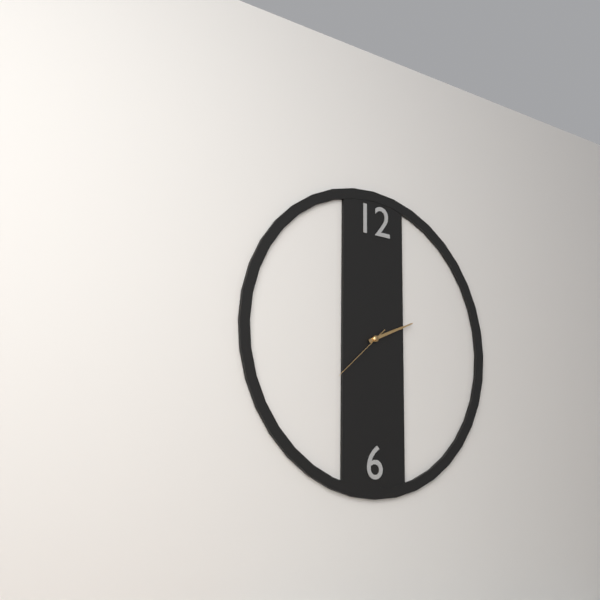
2:11:38
